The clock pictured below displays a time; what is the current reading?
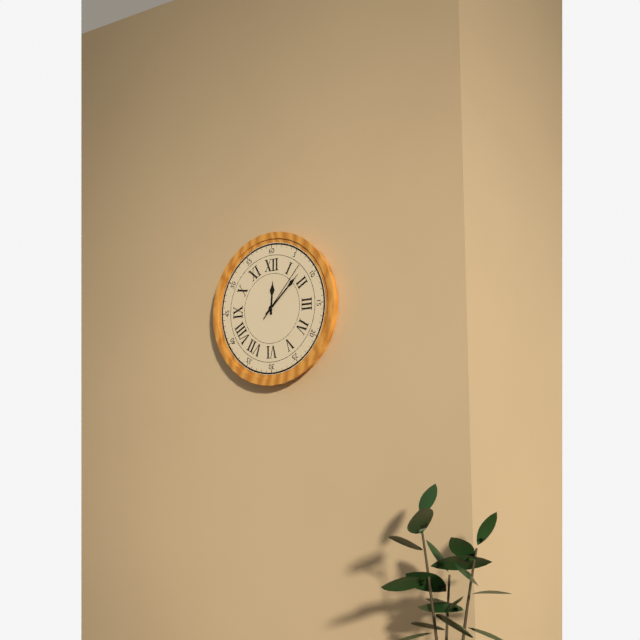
12:08:07
